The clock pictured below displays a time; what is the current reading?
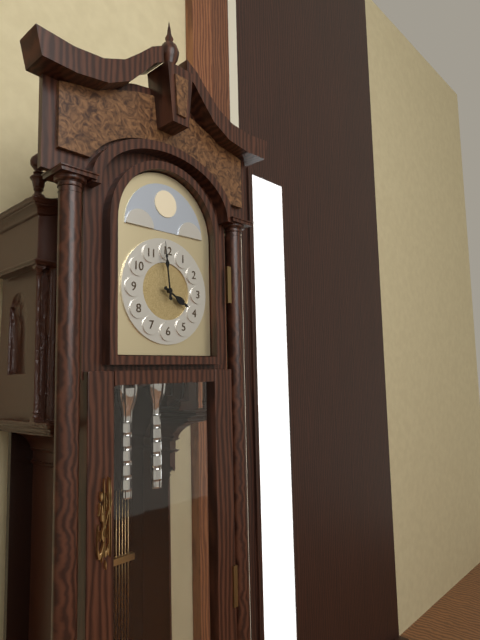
3:59
